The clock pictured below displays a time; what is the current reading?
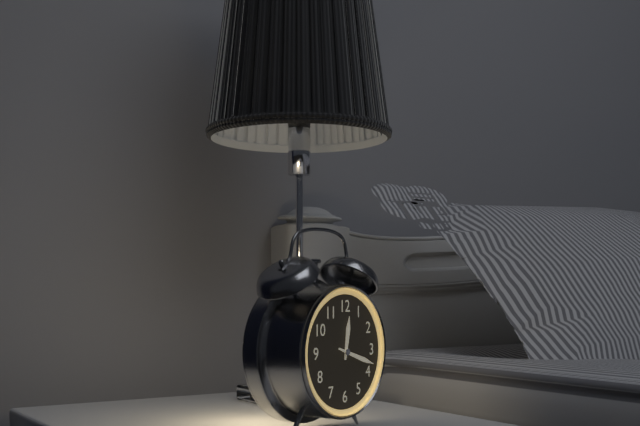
12:18
